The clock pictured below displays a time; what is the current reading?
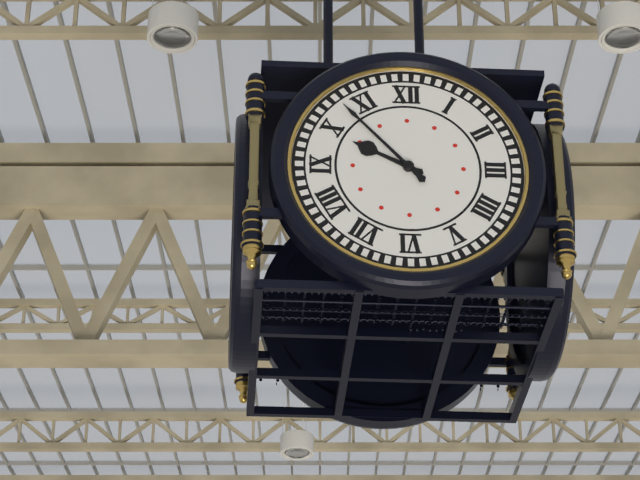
9:53
